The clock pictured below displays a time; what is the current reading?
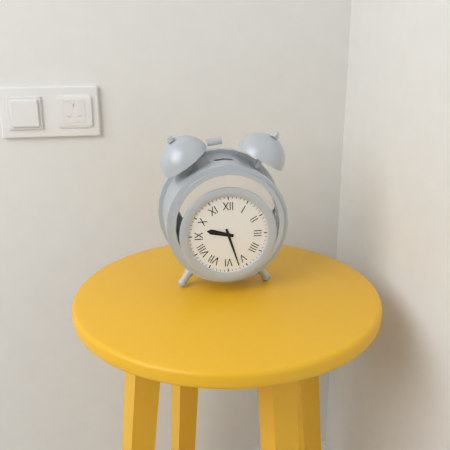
9:27
